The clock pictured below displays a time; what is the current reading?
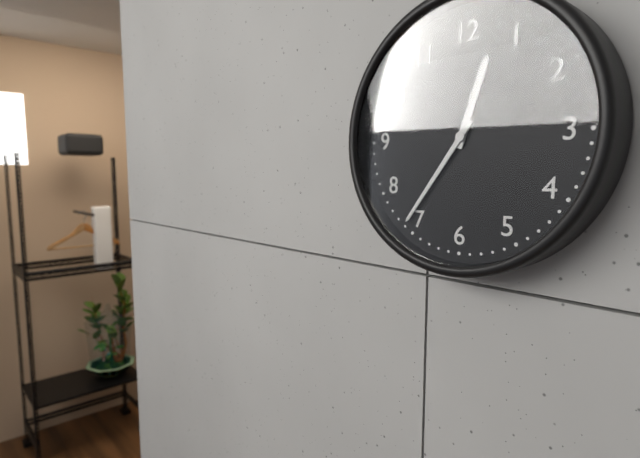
12:36
